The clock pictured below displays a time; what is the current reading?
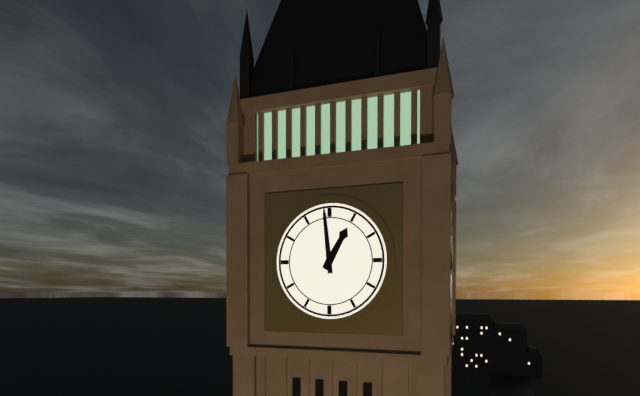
12:59
